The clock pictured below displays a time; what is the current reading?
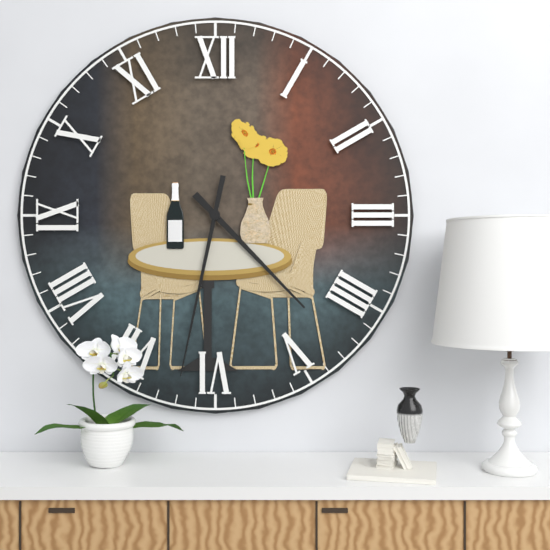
4:32
